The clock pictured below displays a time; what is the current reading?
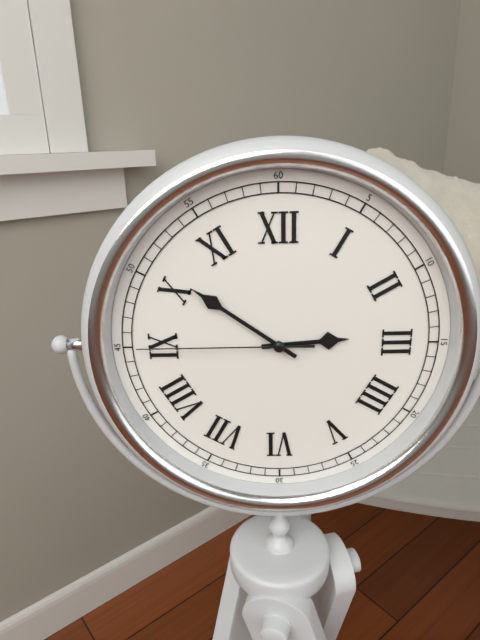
2:51:45
